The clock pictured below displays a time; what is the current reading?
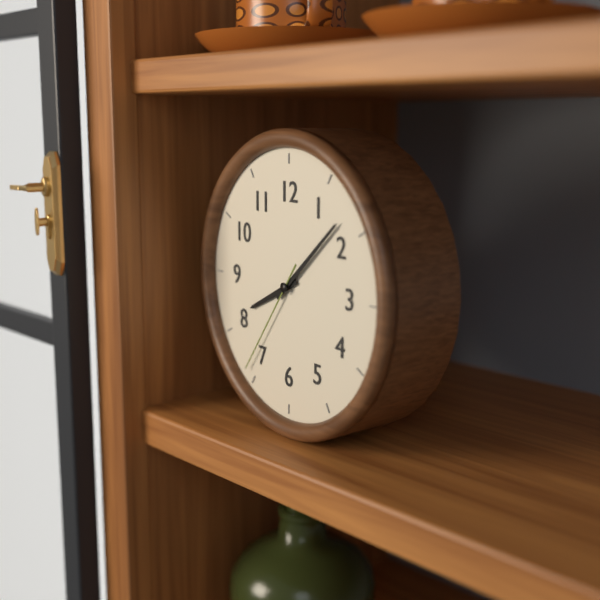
8:08:36
